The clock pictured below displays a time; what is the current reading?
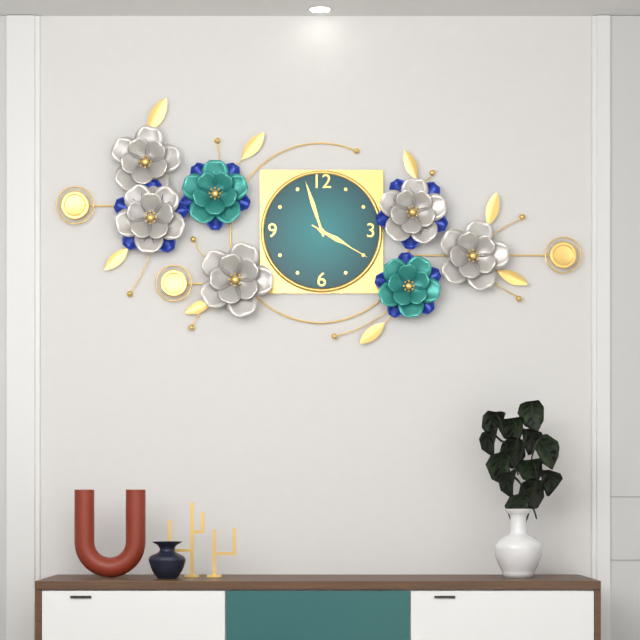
3:57:20
